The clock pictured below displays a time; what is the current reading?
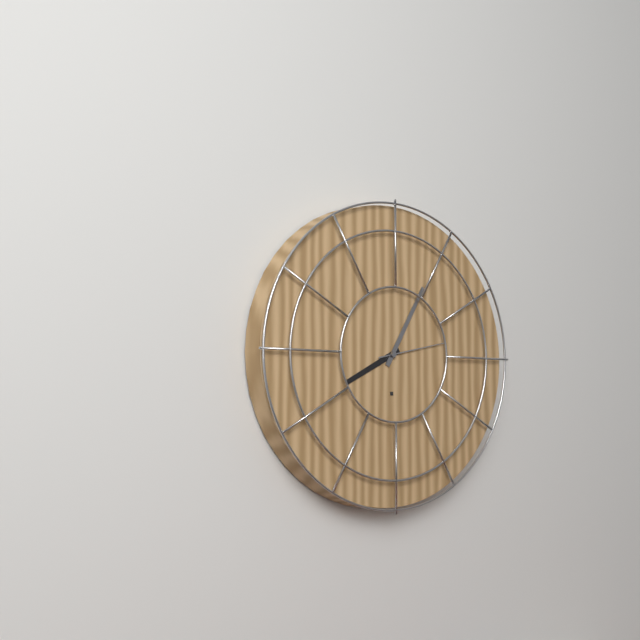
8:05:13
